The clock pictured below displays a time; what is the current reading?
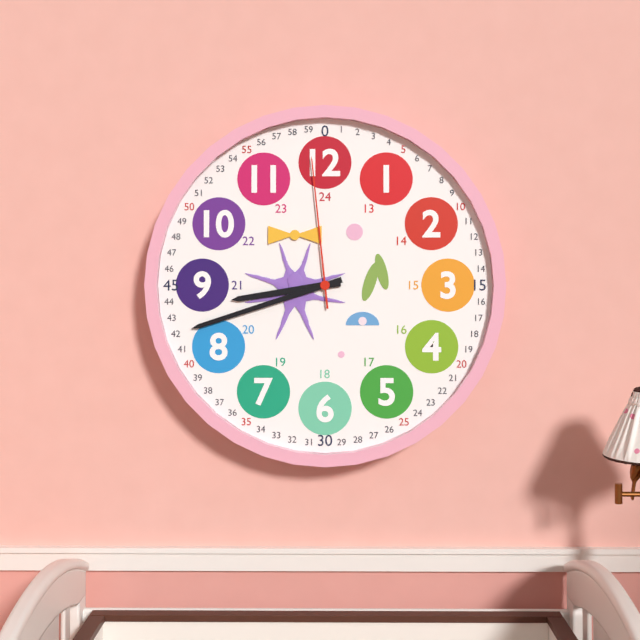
8:42:59
